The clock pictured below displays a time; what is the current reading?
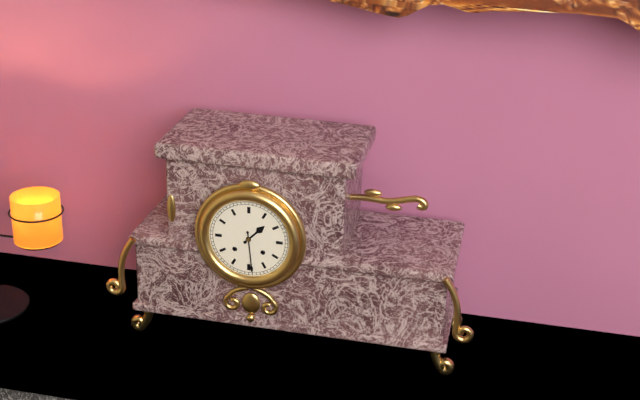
1:29
